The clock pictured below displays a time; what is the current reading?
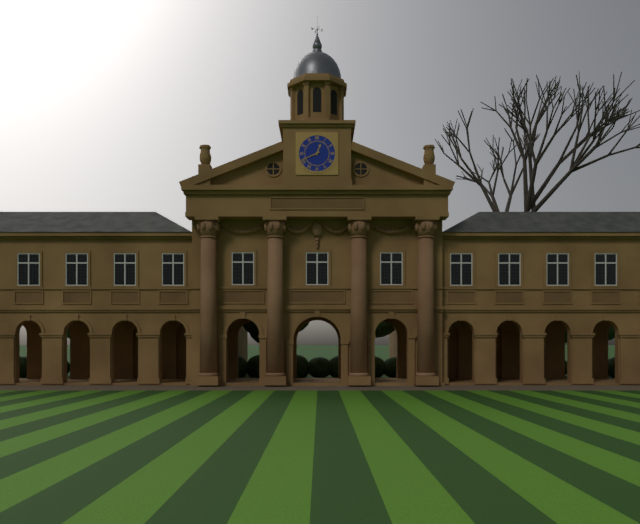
12:41
